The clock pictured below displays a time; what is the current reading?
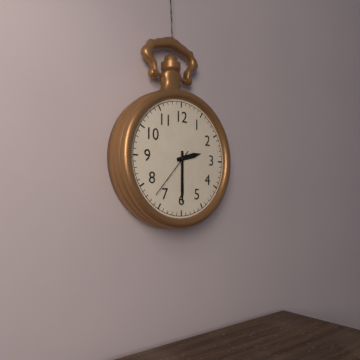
2:30:37
